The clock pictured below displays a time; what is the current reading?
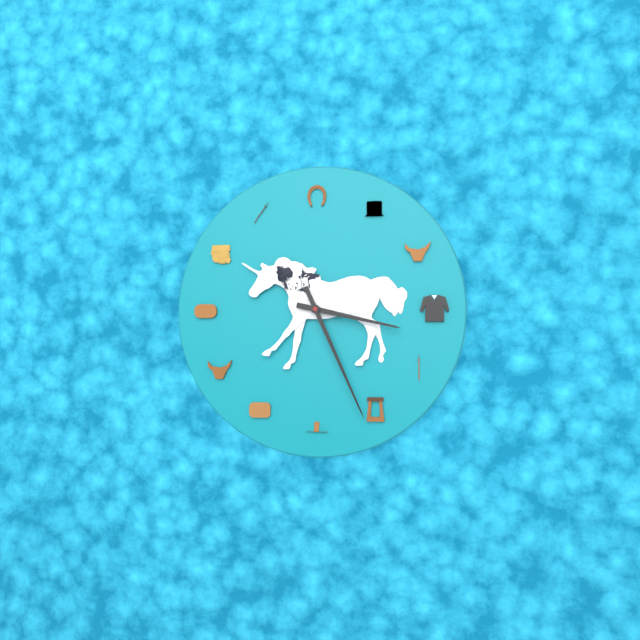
3:26
